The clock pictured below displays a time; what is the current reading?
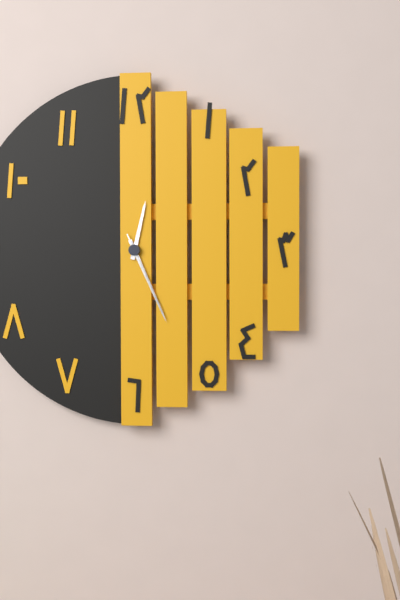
12:26:26
